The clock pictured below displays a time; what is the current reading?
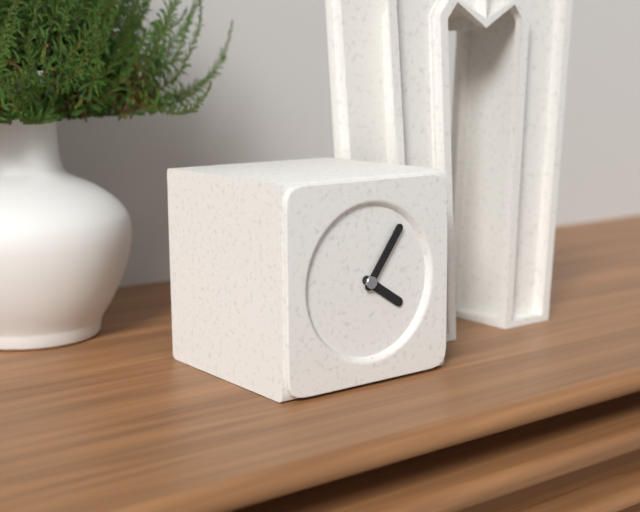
4:06
